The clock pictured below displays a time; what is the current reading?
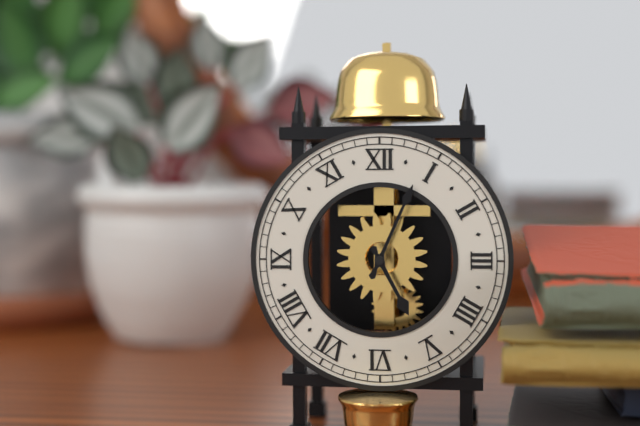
5:04
